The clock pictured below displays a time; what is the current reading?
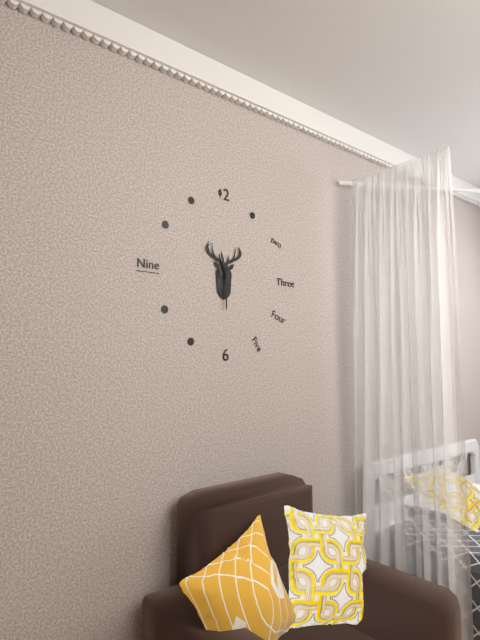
11:30
